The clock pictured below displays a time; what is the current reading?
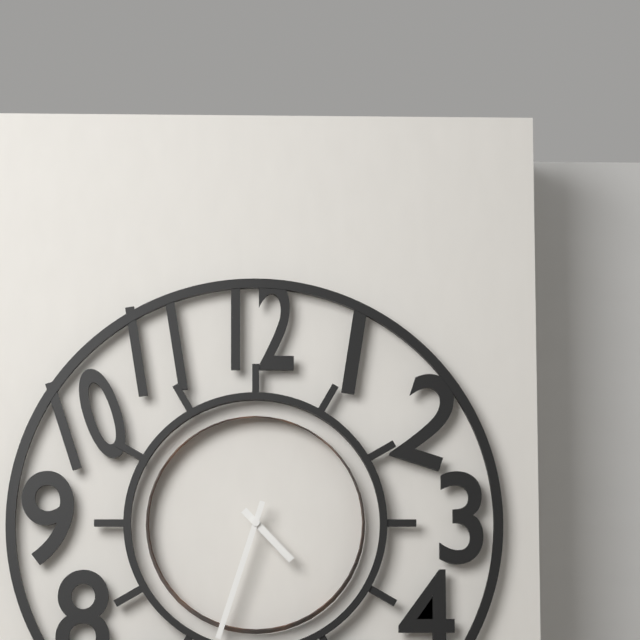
4:33
